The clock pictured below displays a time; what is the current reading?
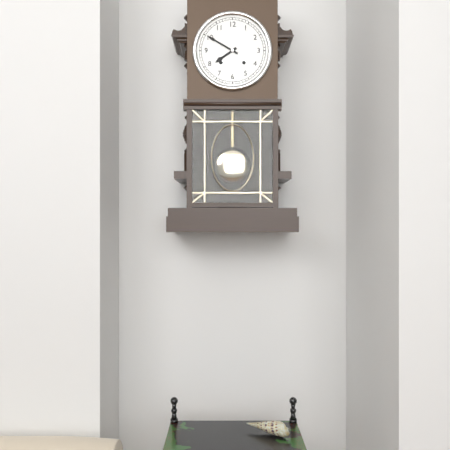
7:50
